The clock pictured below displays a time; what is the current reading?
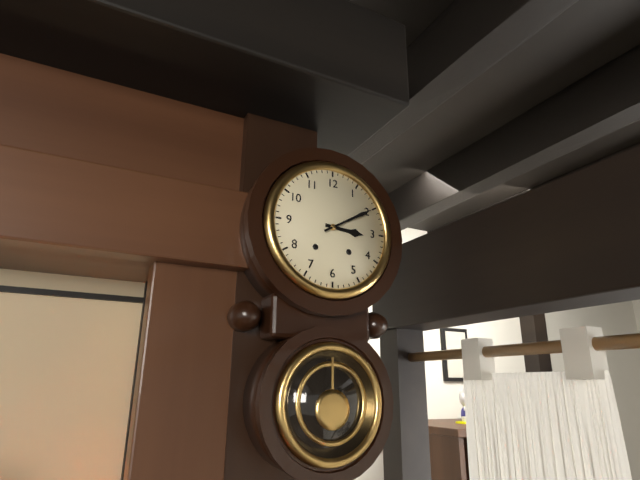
3:10
